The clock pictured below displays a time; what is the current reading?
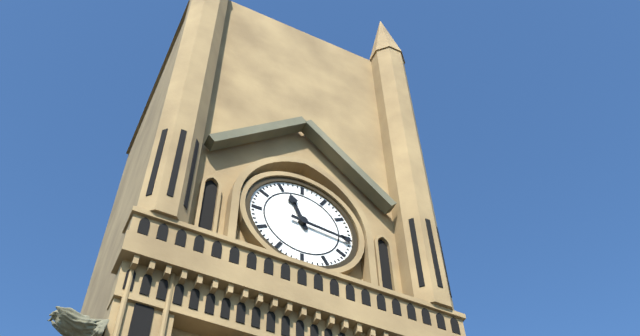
11:16
